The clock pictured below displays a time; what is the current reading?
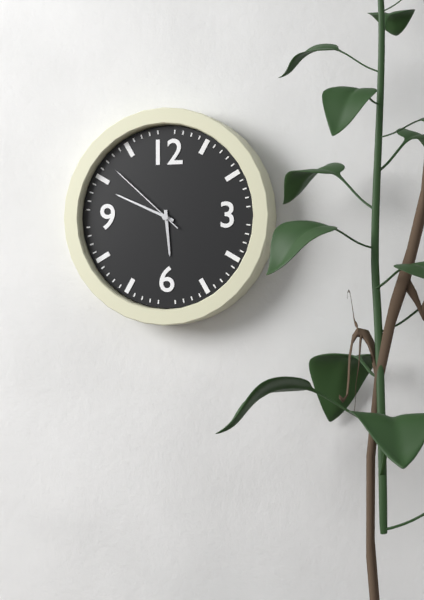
5:49:52
